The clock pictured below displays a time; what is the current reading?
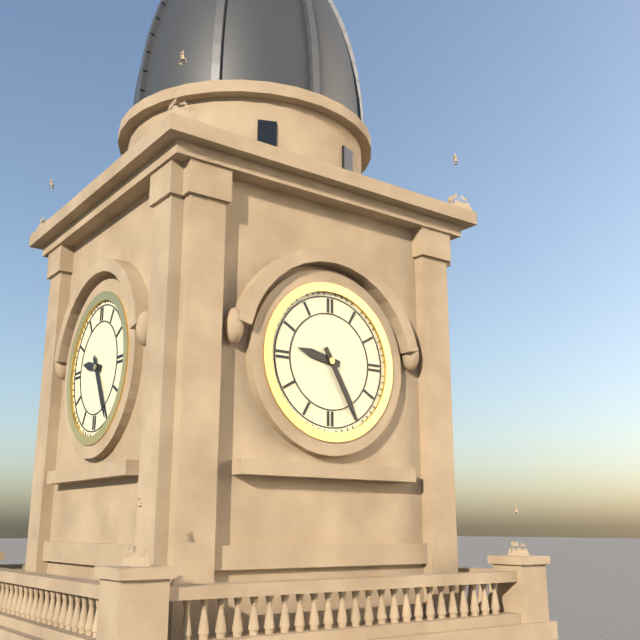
9:25
